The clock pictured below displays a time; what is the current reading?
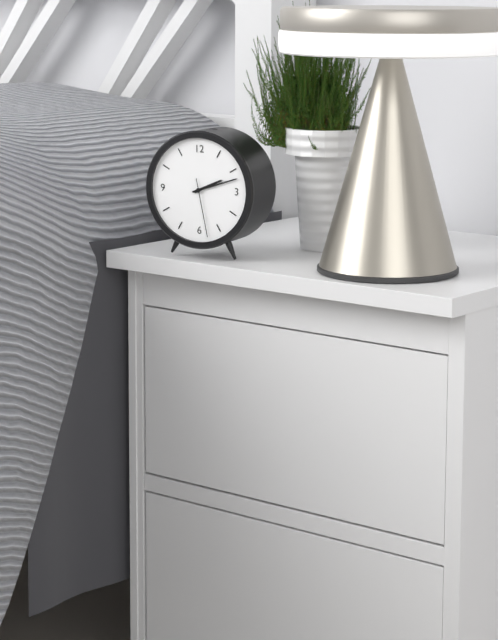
2:12:28
